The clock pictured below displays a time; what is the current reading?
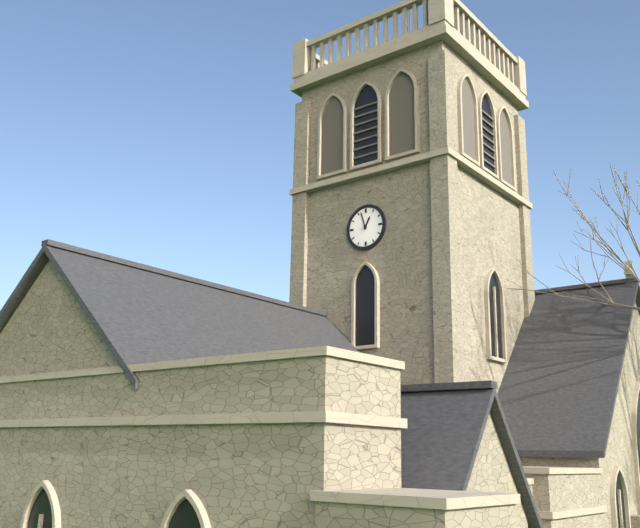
12:57
